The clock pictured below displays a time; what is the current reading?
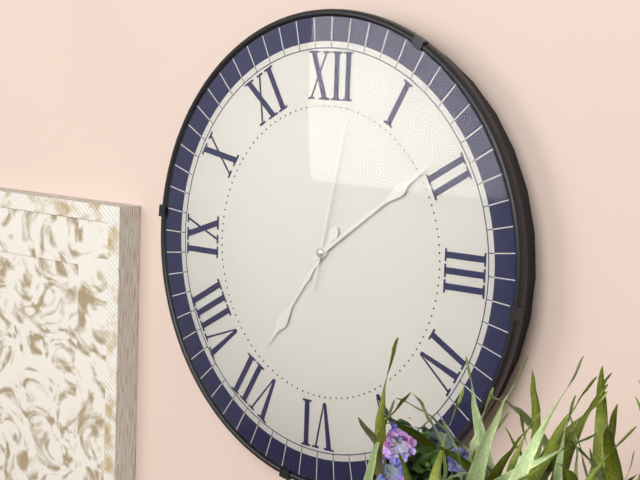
7:09:02
